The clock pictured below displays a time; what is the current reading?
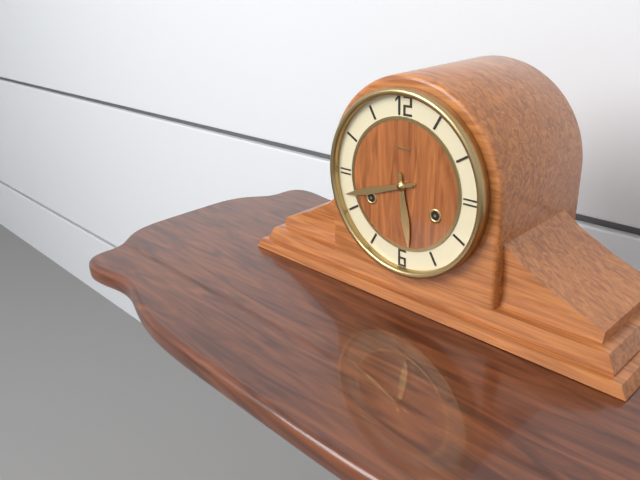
5:42
